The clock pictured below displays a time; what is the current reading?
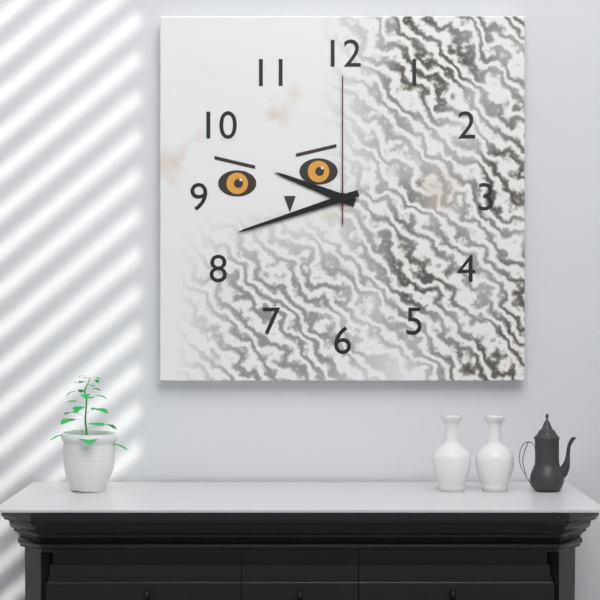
9:42:00
